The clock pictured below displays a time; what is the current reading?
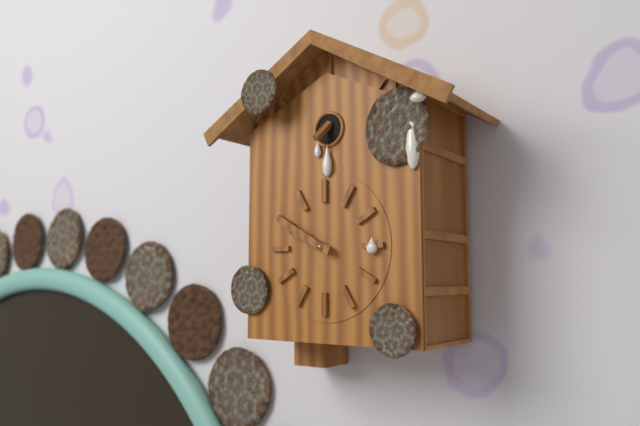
9:50
